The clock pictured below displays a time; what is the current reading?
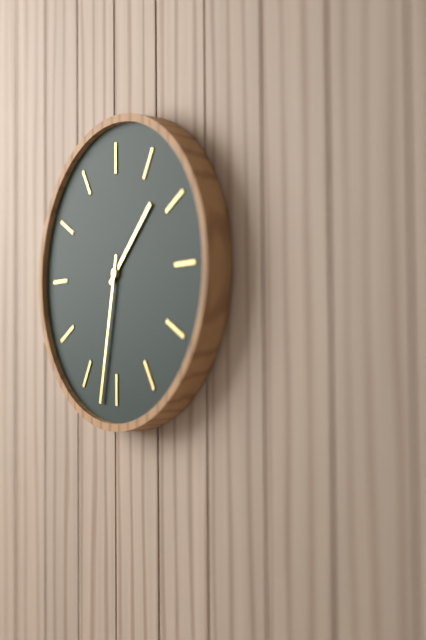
1:32
